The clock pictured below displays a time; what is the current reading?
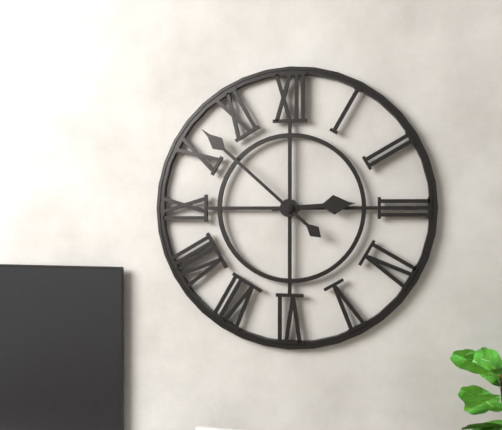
2:52
